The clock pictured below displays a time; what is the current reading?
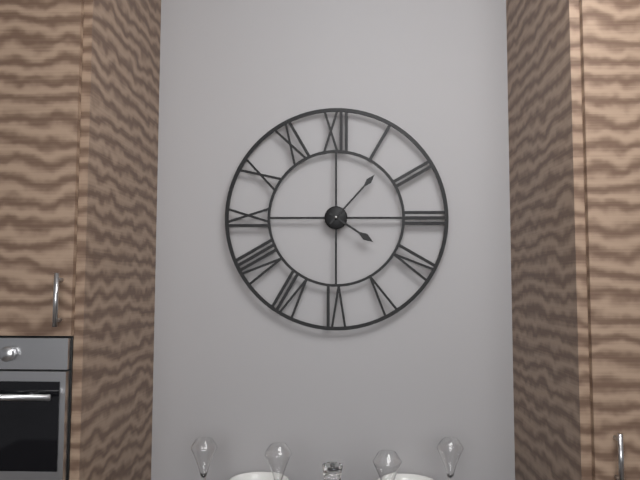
4:07
